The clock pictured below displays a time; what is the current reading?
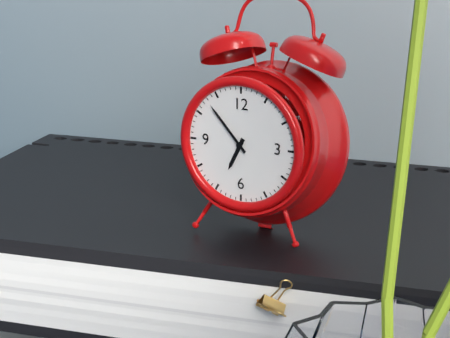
6:53
